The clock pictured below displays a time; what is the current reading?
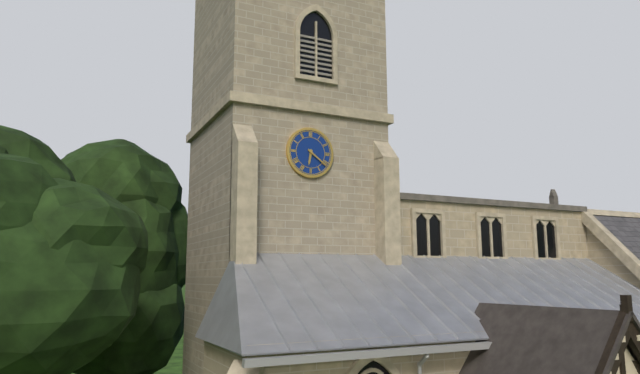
6:21
